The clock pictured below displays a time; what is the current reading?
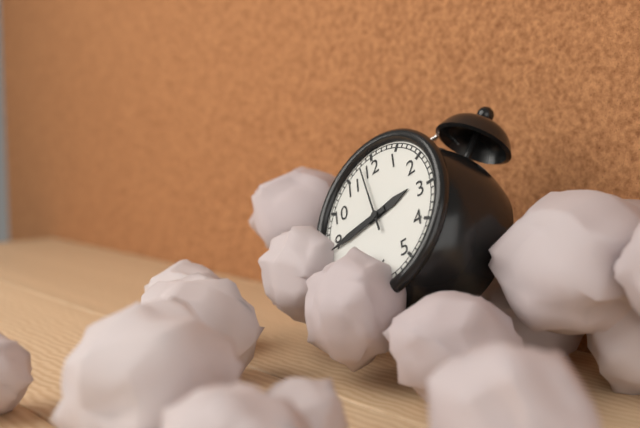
2:44:58
